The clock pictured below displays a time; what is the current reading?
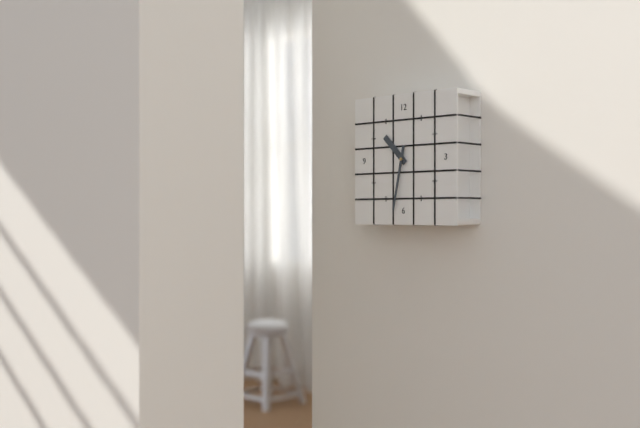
10:32
